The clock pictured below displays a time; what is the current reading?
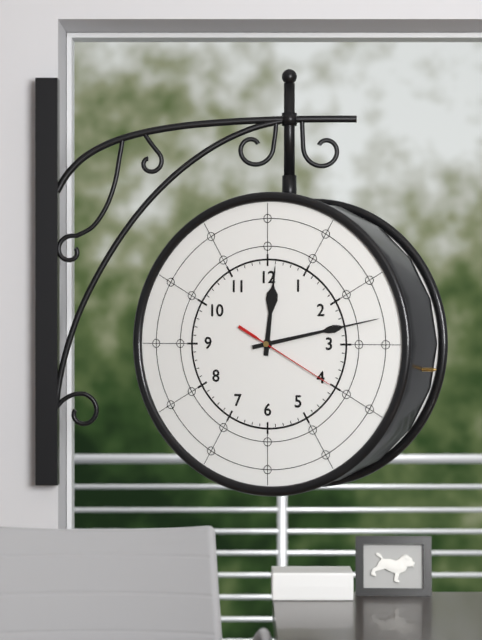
12:13:20
